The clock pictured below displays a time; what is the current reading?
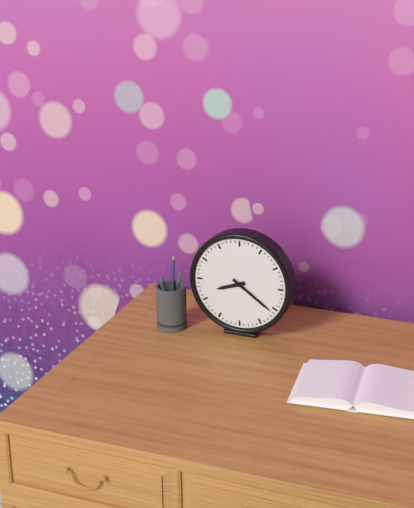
8:21
